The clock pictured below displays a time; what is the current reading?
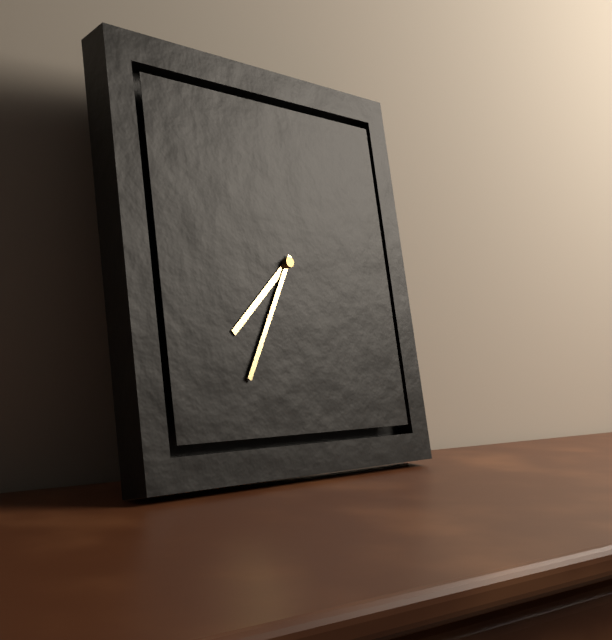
7:35
